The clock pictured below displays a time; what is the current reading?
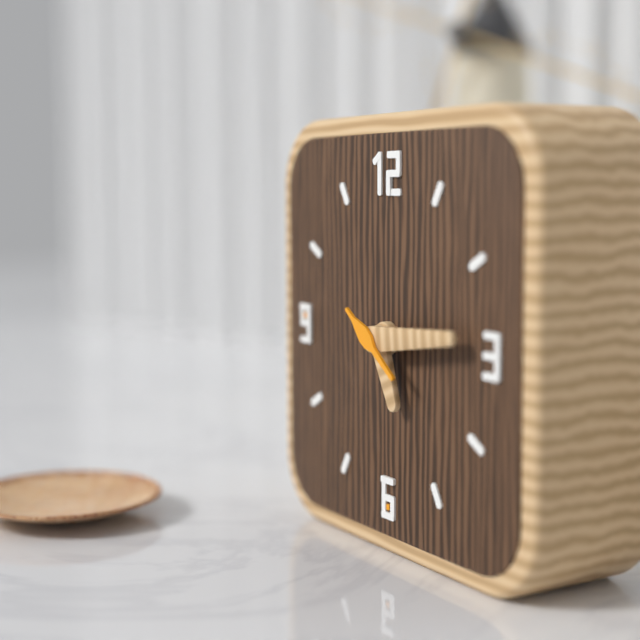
5:14:21
